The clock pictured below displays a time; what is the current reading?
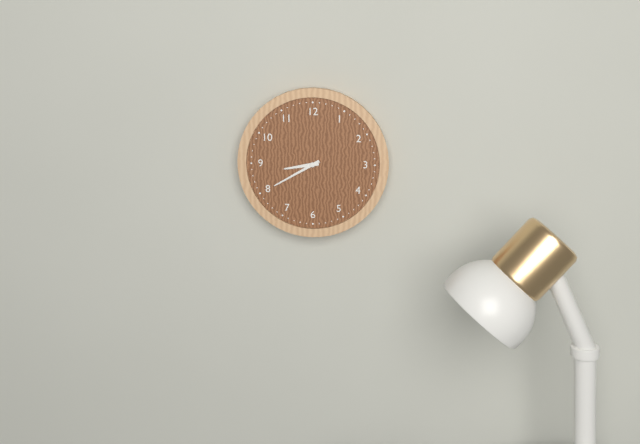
8:40
